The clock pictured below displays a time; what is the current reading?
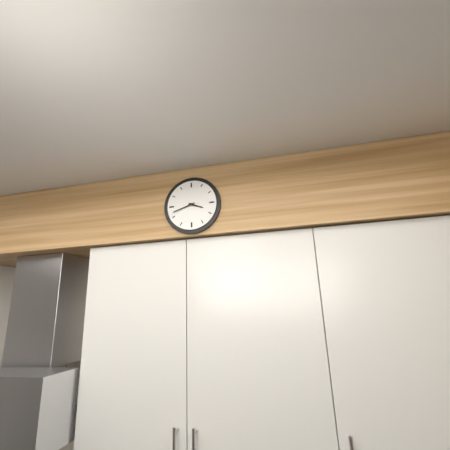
3:42
